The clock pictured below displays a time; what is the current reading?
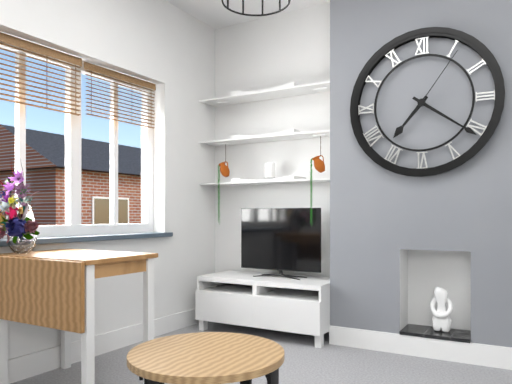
7:21:06
